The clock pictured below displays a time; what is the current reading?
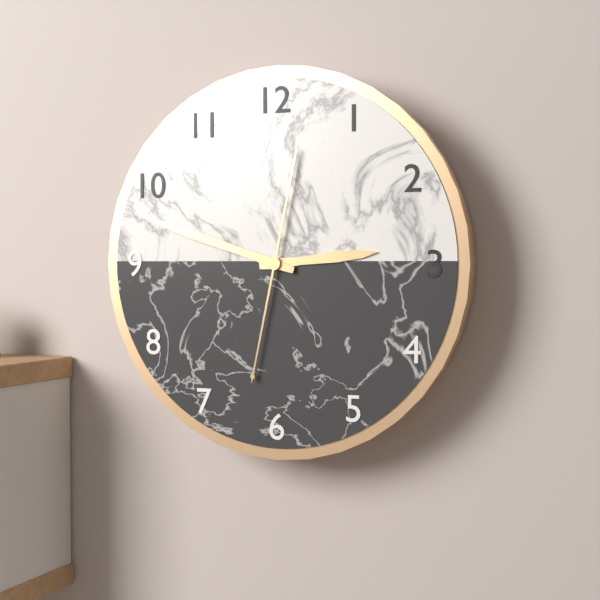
2:48:32
